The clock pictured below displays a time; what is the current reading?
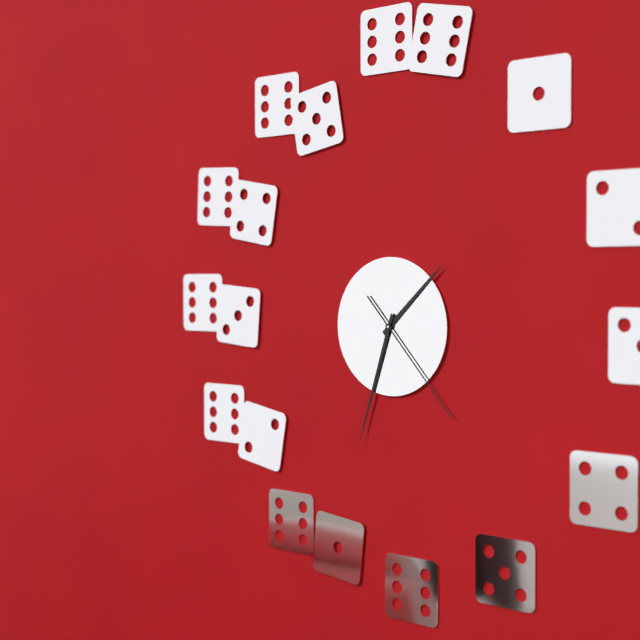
1:33:23
